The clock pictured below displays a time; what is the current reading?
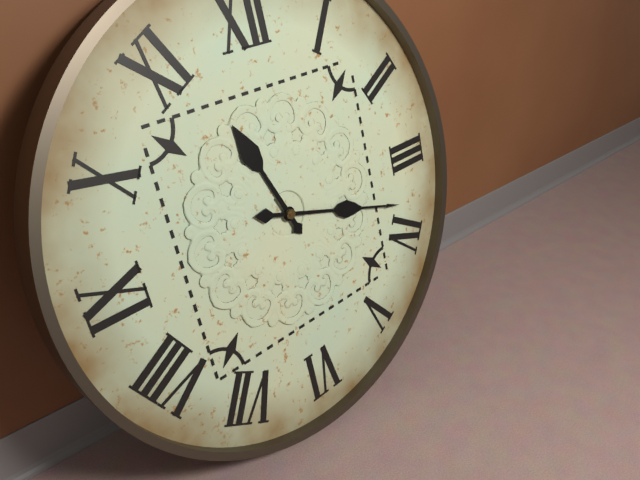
11:18
